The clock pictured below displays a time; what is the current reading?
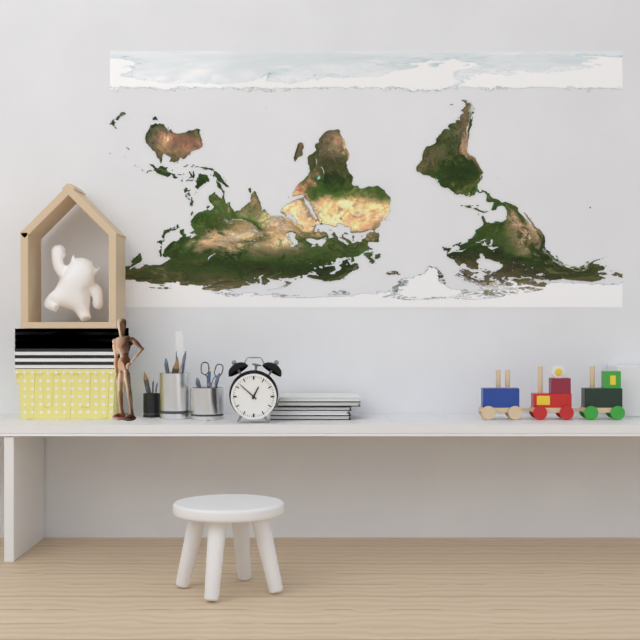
12:52
